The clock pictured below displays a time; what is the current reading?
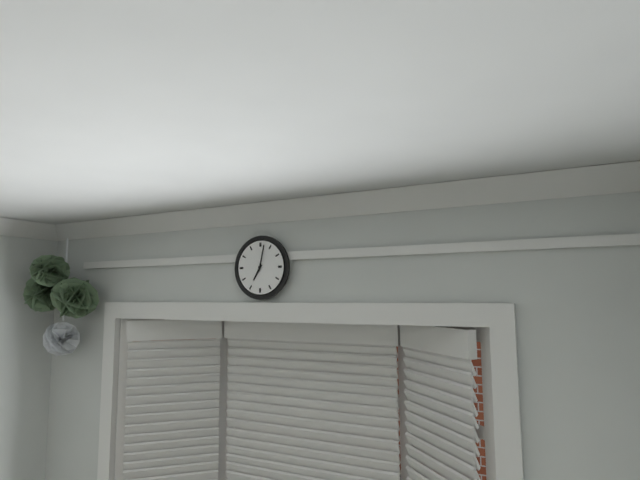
7:02
